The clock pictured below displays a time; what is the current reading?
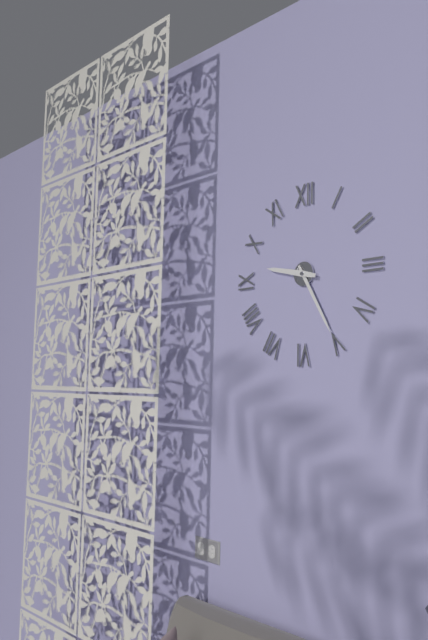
9:25
